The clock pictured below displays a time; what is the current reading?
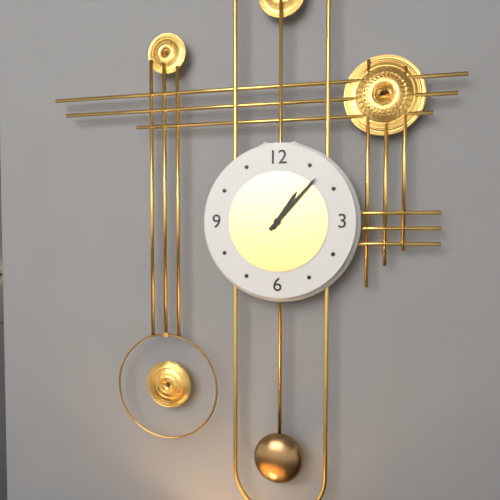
1:07
